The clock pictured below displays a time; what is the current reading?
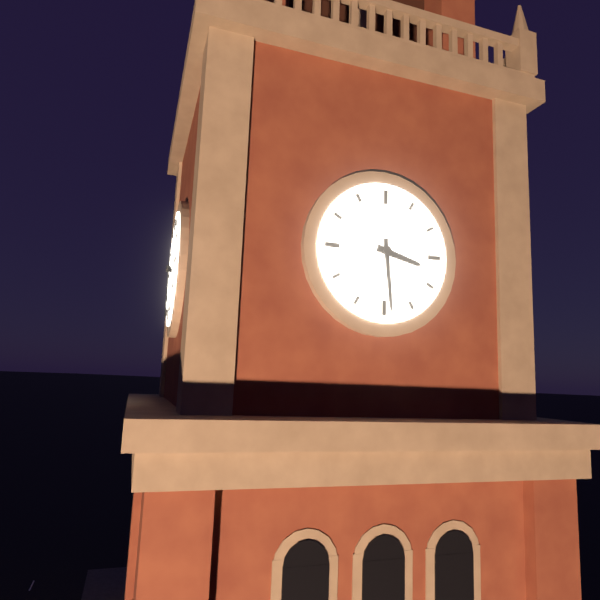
3:29
